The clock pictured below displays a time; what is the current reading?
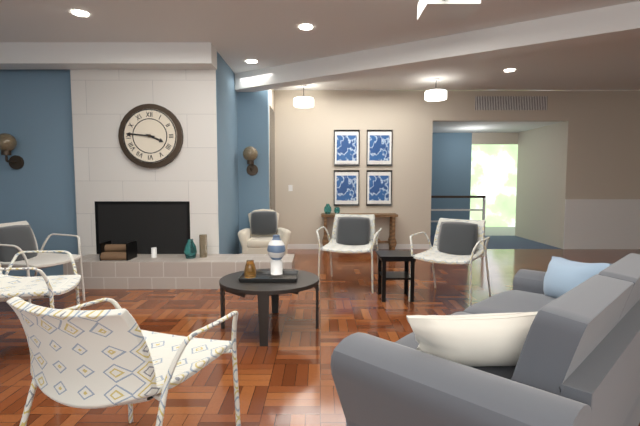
3:46
